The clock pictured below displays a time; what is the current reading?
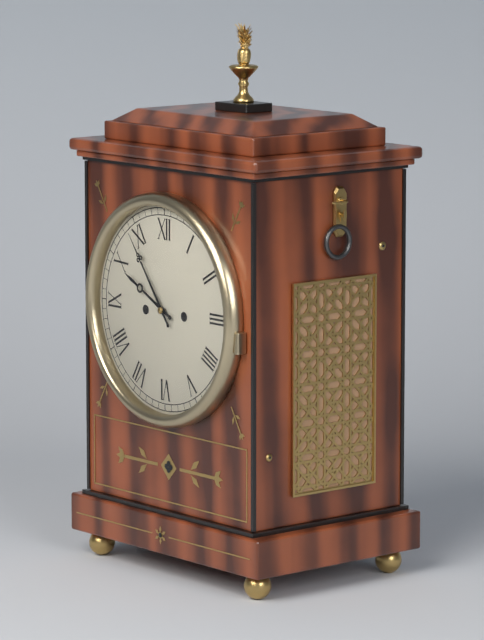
9:54
